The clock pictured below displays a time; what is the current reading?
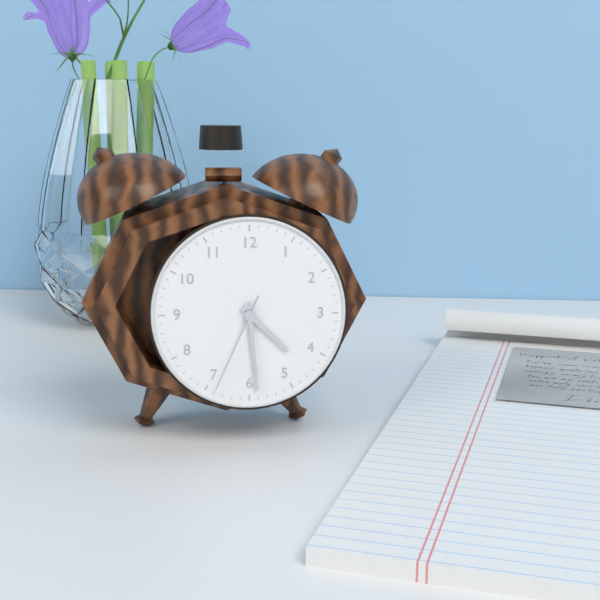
4:29:34
